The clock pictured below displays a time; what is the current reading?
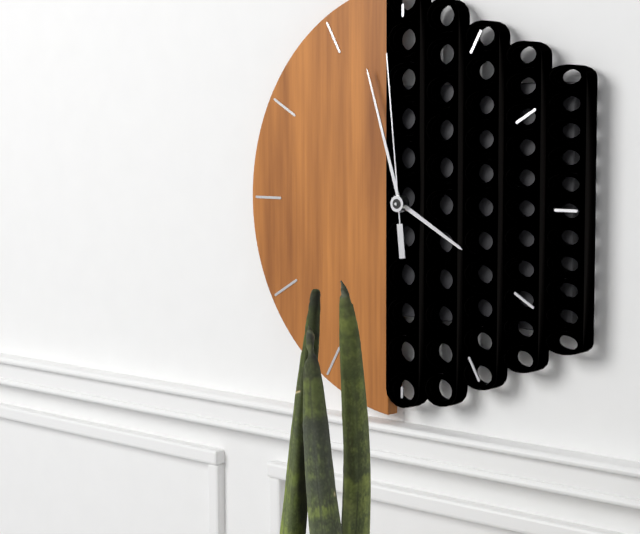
3:57:59
